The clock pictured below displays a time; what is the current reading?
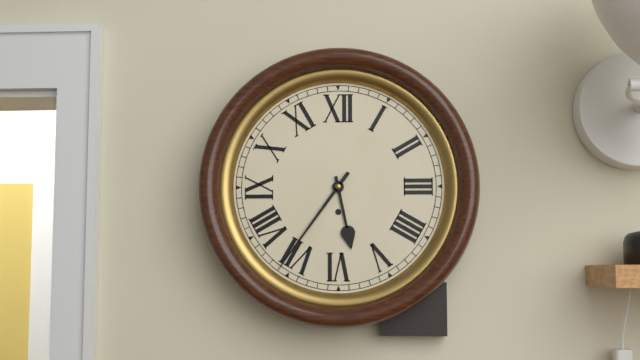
5:36
